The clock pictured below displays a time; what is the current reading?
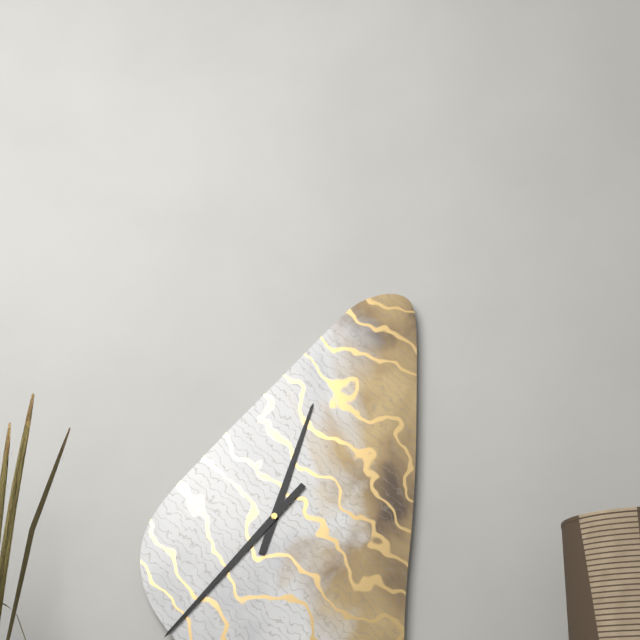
12:37
